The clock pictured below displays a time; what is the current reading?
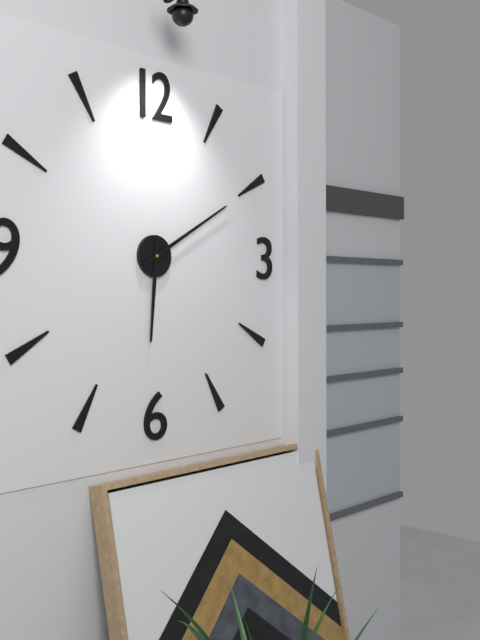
6:10
